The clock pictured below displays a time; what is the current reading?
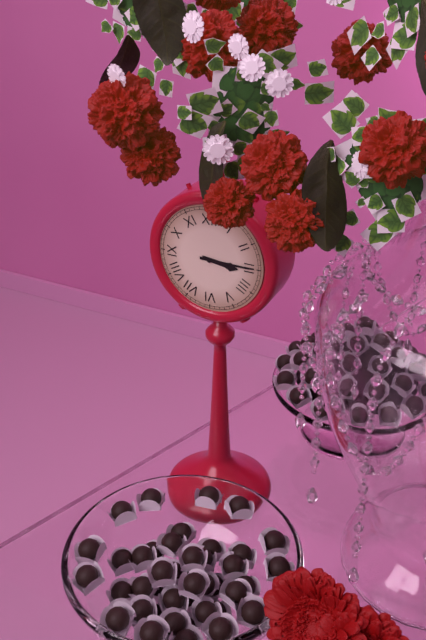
3:15
